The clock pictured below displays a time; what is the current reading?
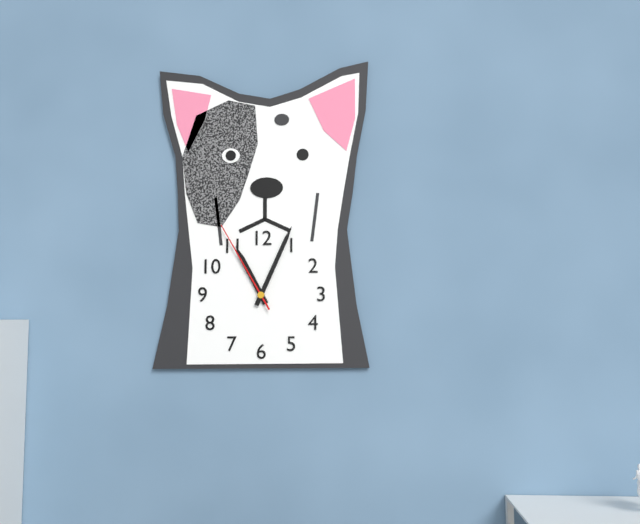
11:04:55
